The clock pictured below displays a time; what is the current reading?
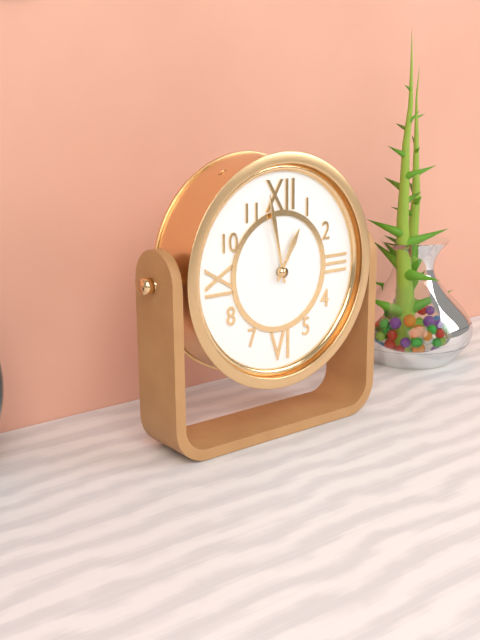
12:58
